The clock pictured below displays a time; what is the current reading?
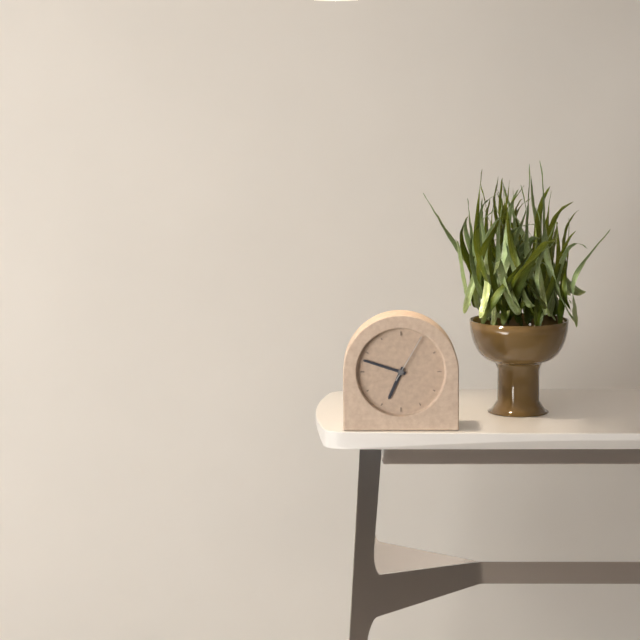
6:48:05
